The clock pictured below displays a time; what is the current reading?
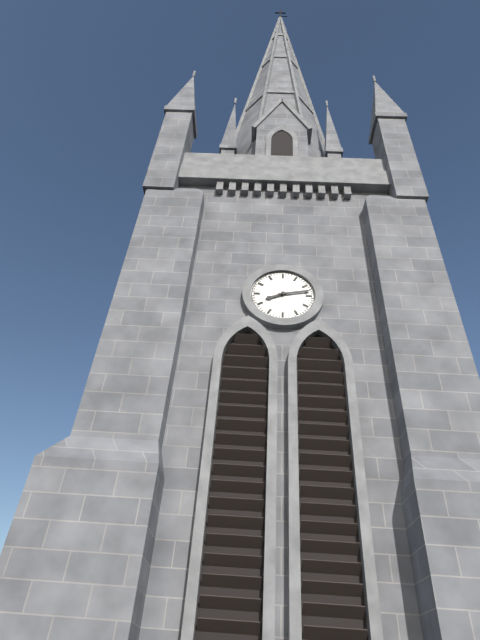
8:13
